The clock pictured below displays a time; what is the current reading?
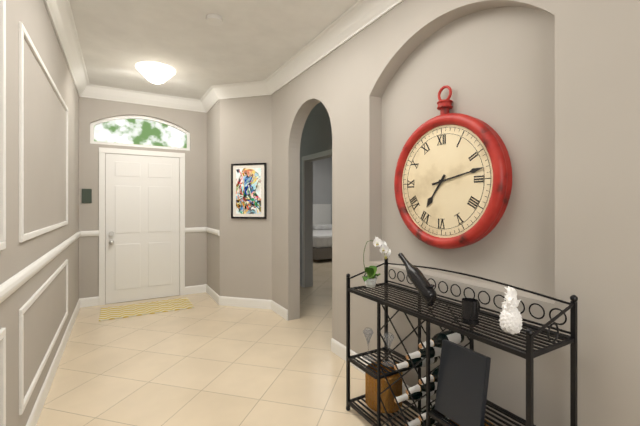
7:13
